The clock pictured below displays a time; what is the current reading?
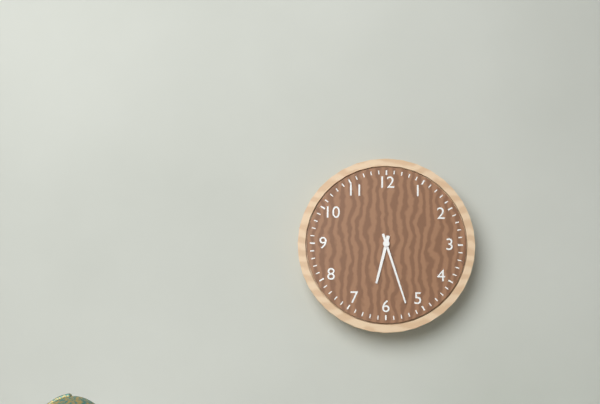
6:27
